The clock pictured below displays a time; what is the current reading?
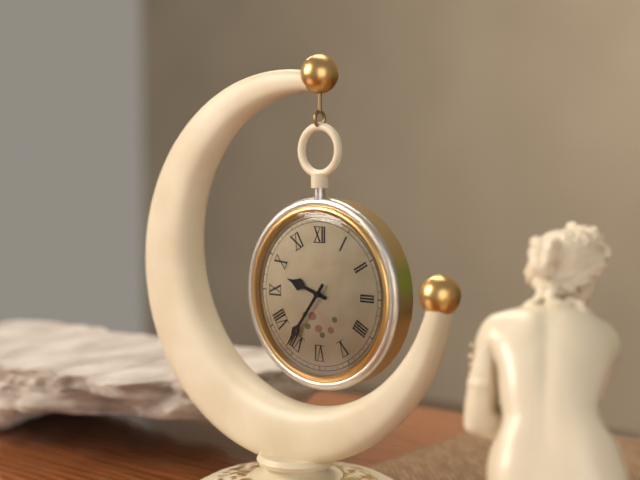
9:36
